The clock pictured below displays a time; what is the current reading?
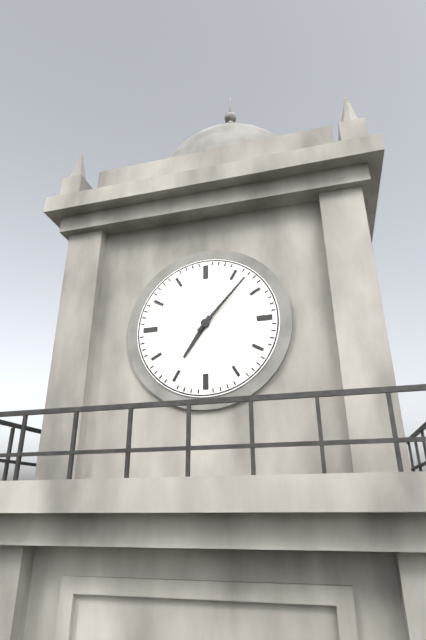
7:07
